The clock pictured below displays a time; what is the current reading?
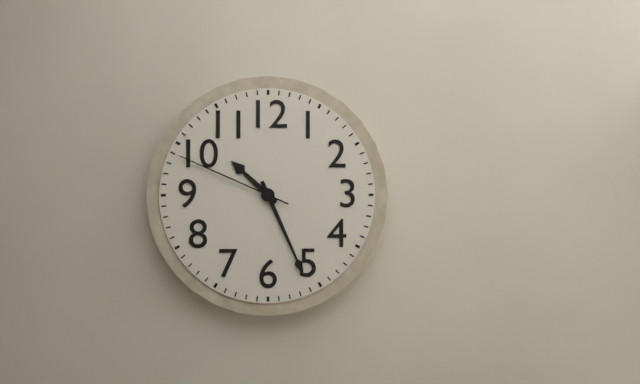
10:26:49
